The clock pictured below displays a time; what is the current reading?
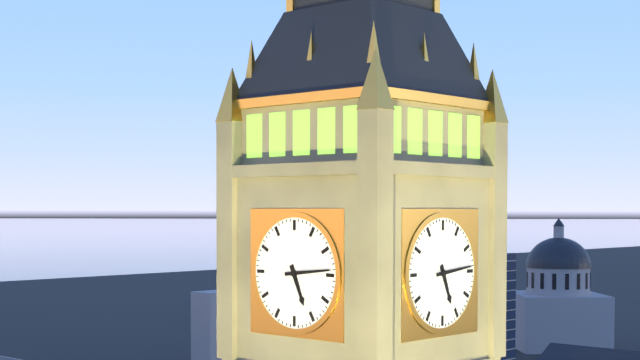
5:14
